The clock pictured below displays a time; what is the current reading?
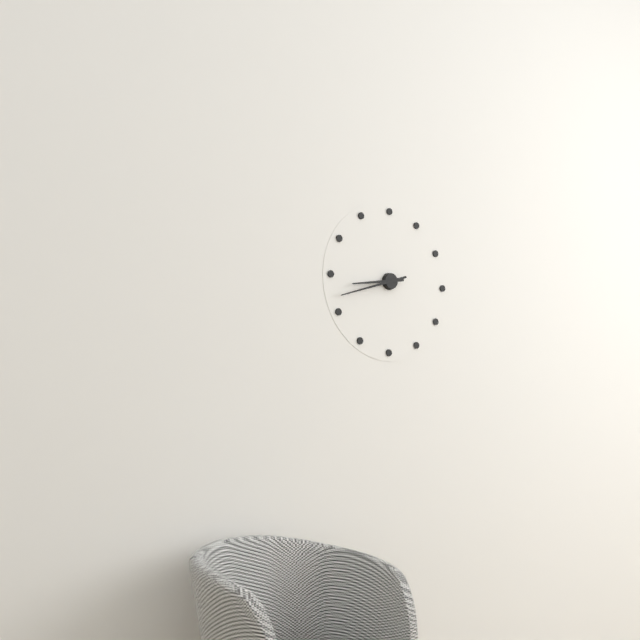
8:42
